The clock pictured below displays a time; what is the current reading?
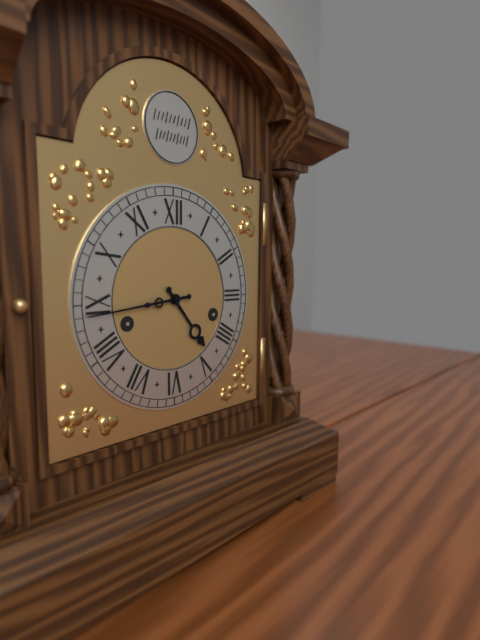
4:44
